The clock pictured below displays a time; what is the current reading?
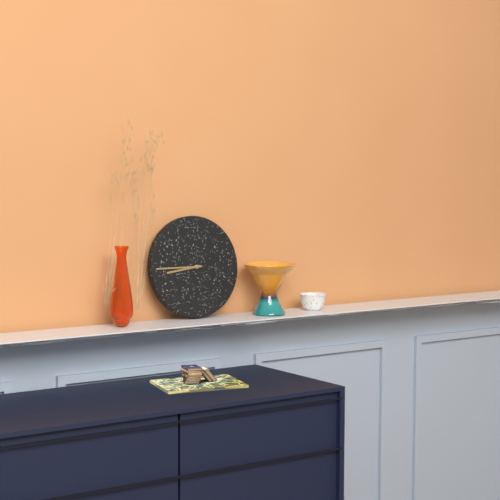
8:45
